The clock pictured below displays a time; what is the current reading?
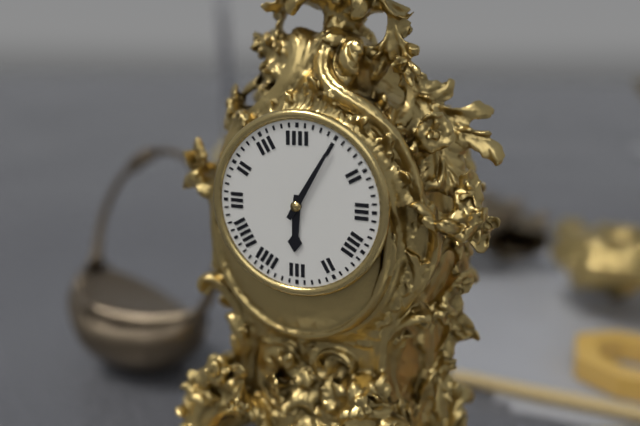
6:05
